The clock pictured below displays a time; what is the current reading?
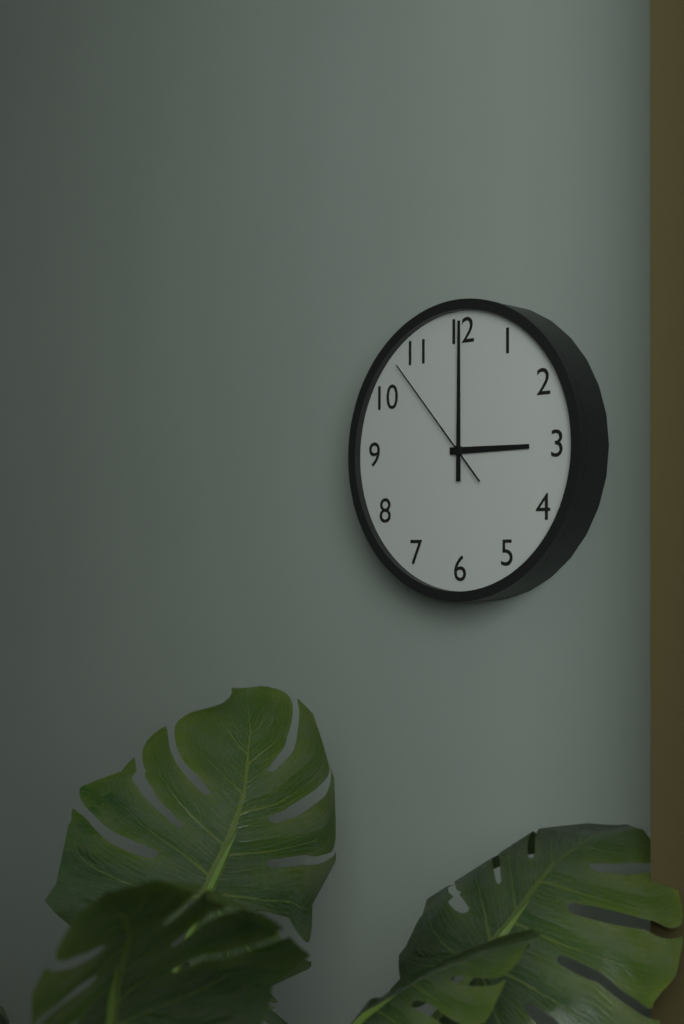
3:00:53
